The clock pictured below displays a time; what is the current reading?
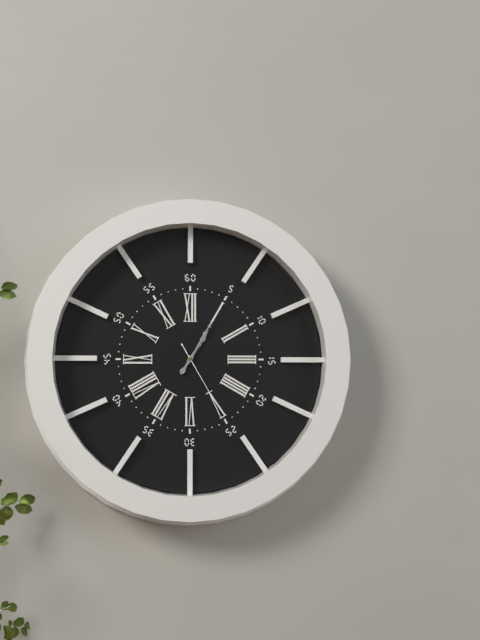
1:05:25
